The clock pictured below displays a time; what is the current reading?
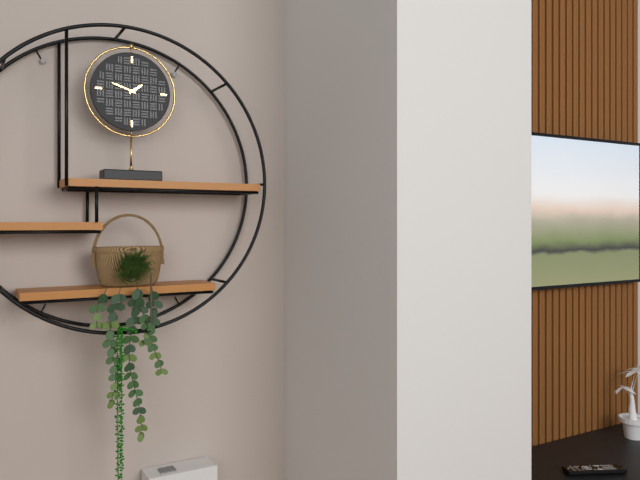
1:48
